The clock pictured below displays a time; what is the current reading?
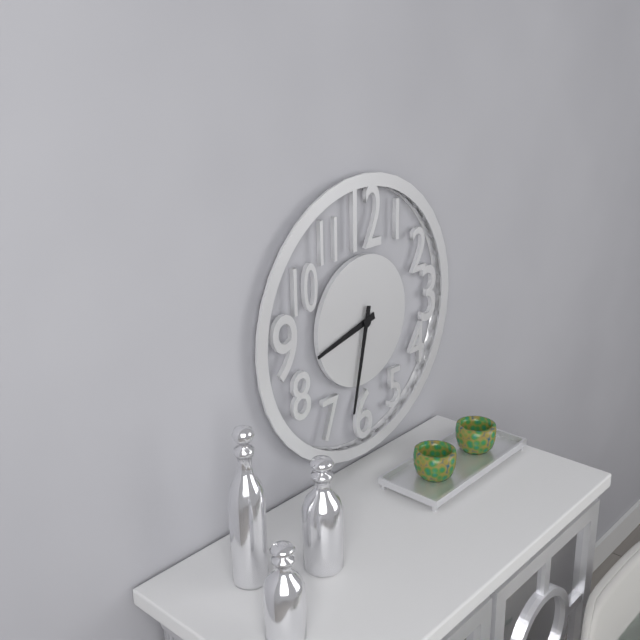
8:32
